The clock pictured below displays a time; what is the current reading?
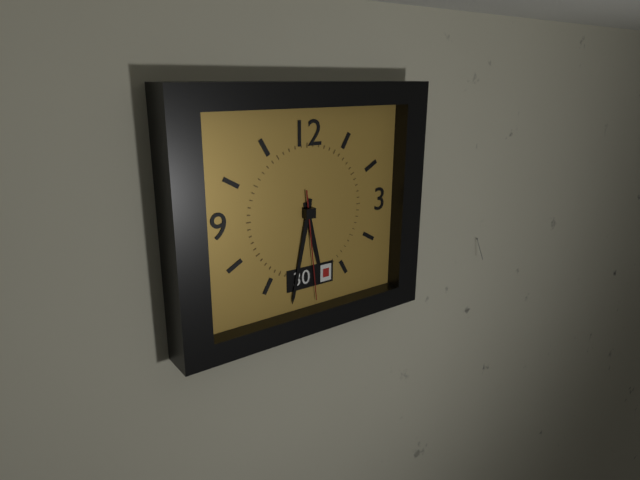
5:32:29
